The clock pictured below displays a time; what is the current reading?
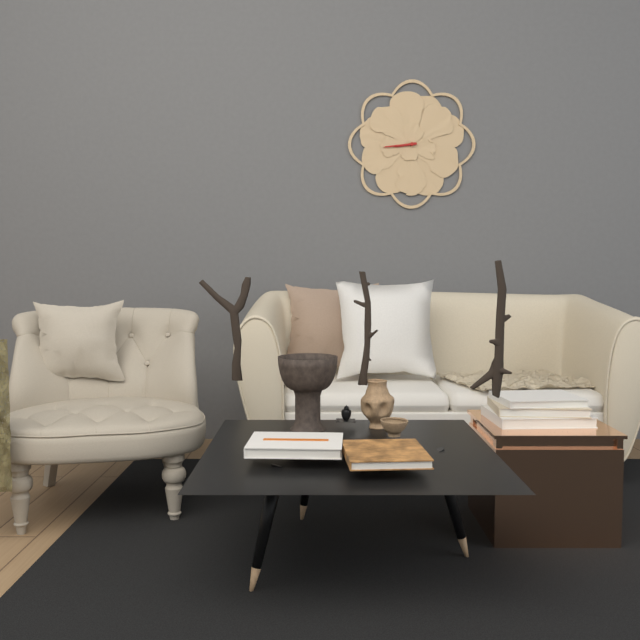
8:44
